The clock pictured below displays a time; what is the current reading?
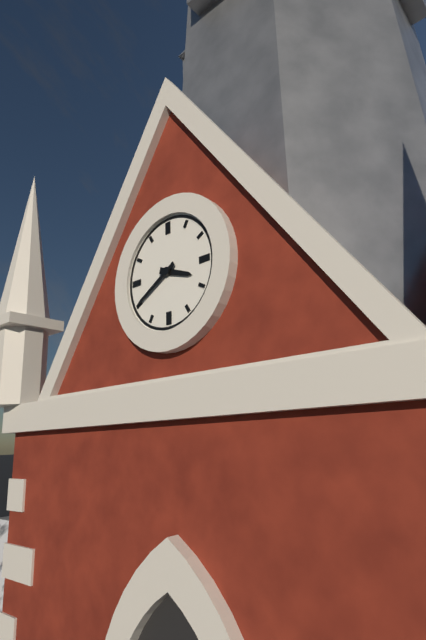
3:40
